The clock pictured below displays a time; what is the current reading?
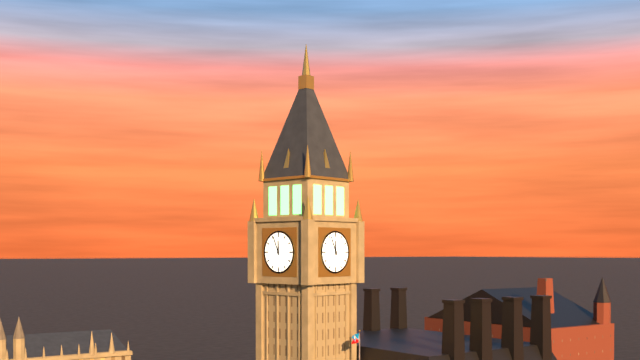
11:56
